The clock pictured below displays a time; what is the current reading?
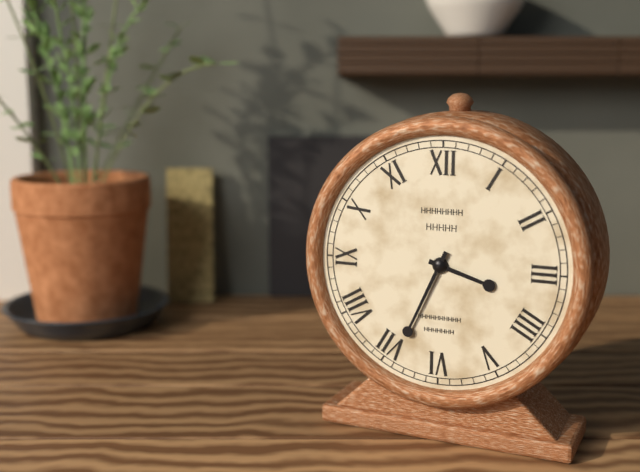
3:34
